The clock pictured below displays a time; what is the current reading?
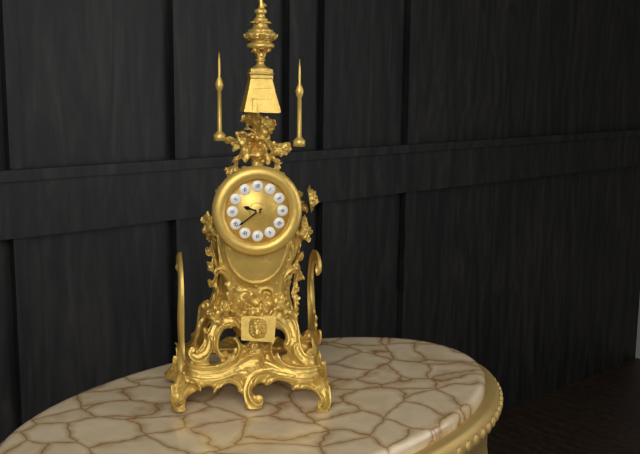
9:39
